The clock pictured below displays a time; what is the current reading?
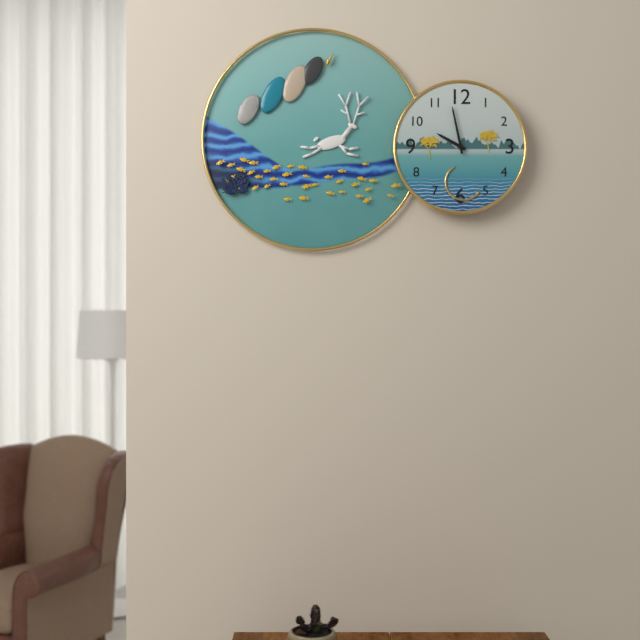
9:58
